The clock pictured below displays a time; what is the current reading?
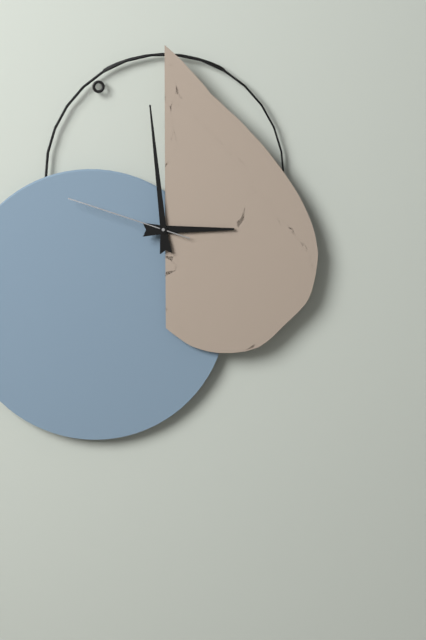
2:59:48
